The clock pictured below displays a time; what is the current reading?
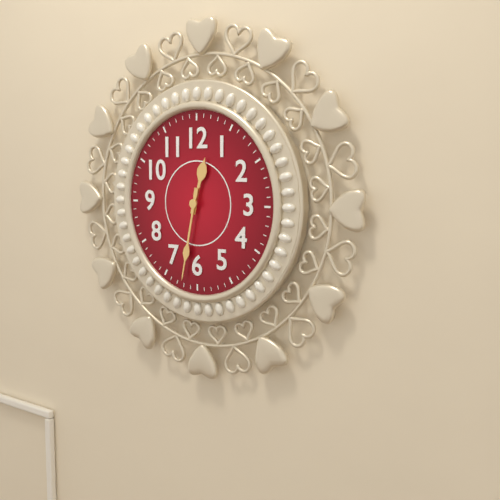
12:32
